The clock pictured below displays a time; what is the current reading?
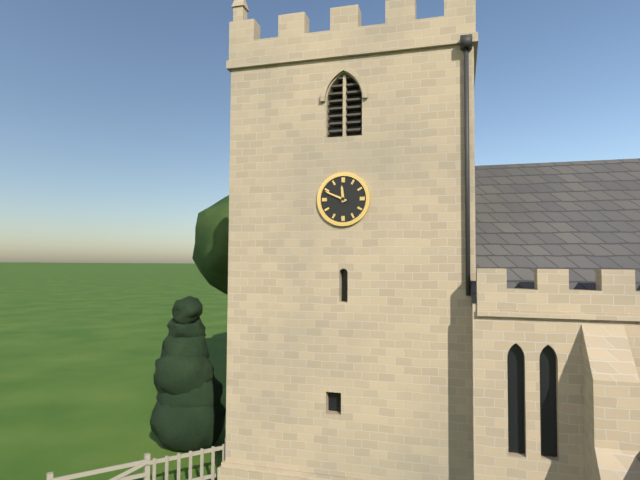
11:49
